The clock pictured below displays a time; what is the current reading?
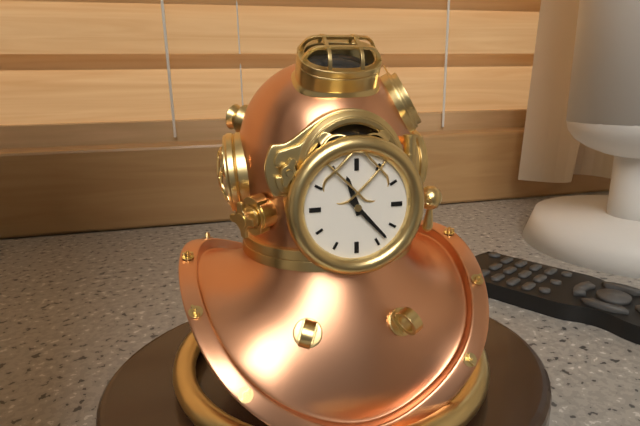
11:23
